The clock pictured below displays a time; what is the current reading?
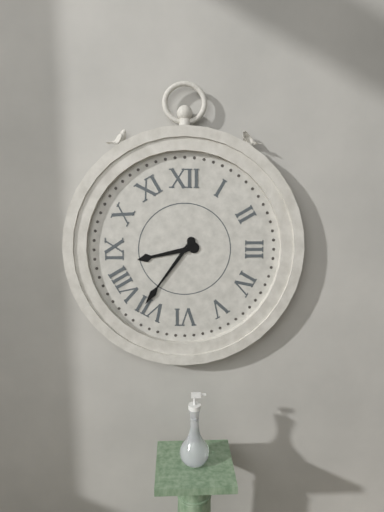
8:36
